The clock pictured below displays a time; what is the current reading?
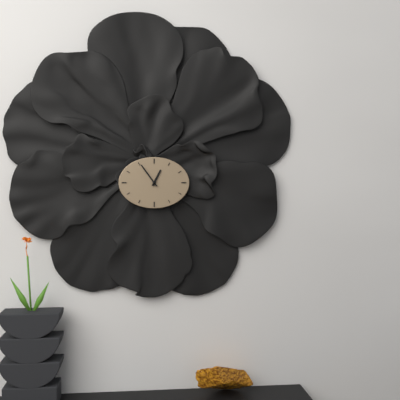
12:54
